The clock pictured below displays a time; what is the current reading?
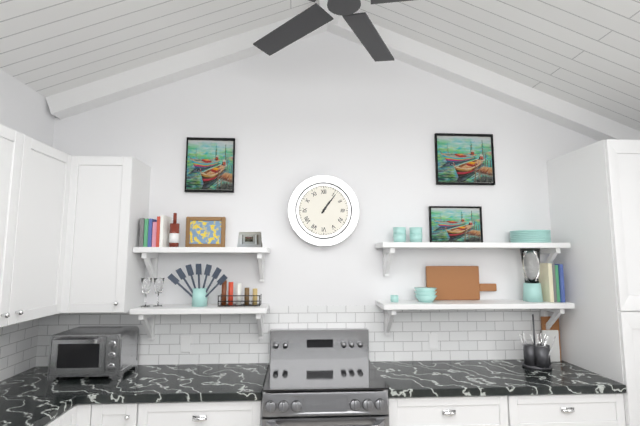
1:06
